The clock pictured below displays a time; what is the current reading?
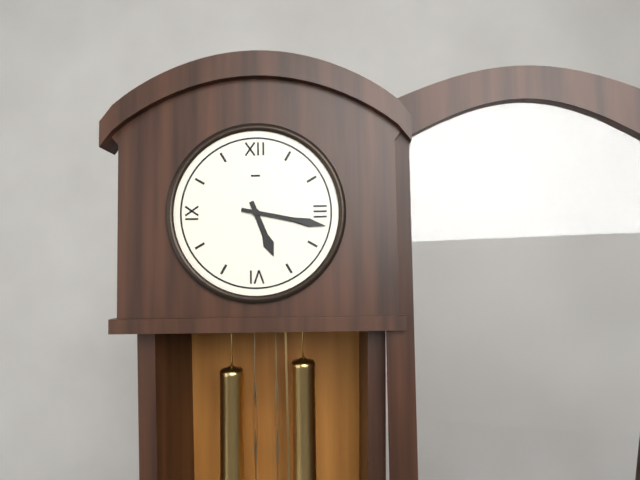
5:17
